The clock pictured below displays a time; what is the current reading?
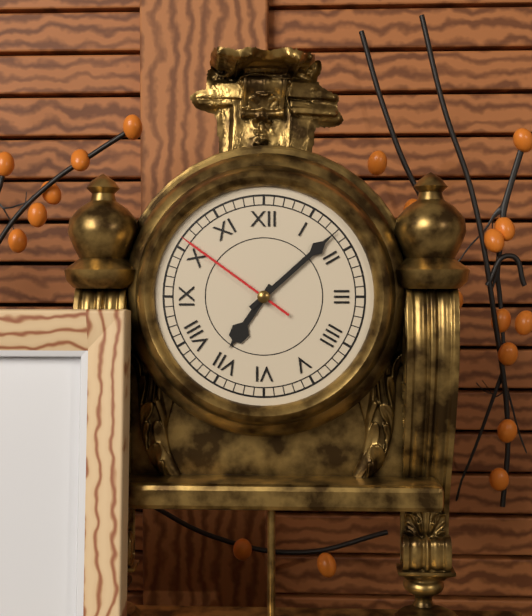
7:08:51
